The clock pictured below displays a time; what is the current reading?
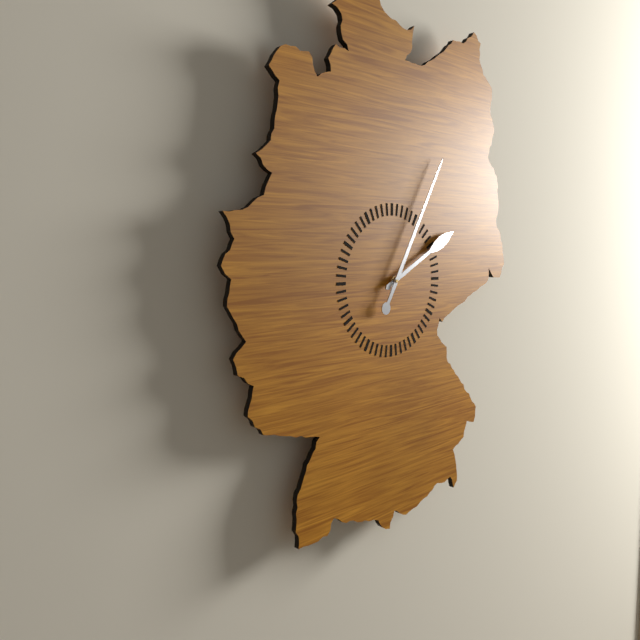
2:05
